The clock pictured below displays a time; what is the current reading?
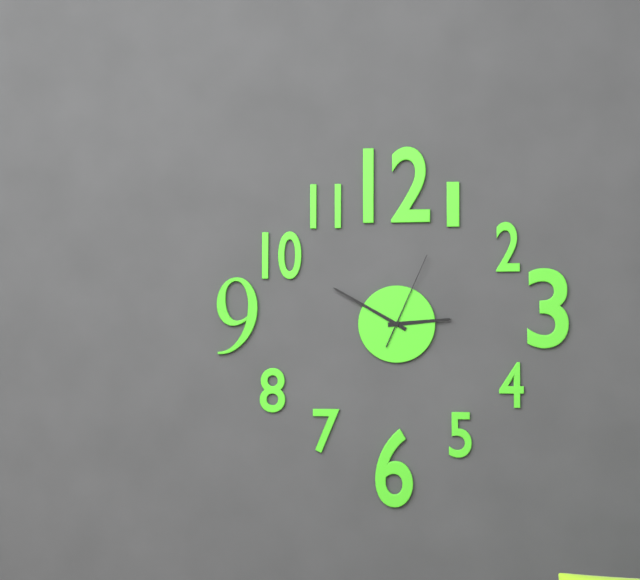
2:50:04
